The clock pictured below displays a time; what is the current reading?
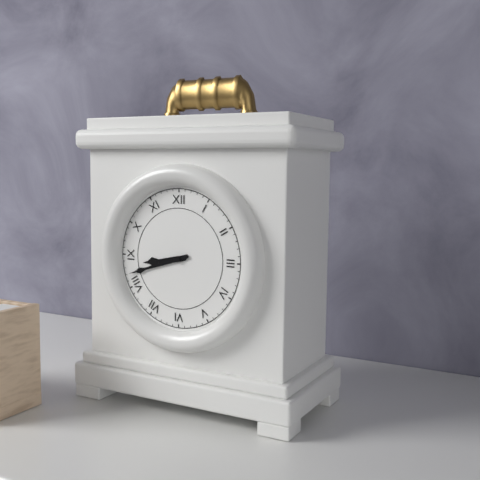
8:42
